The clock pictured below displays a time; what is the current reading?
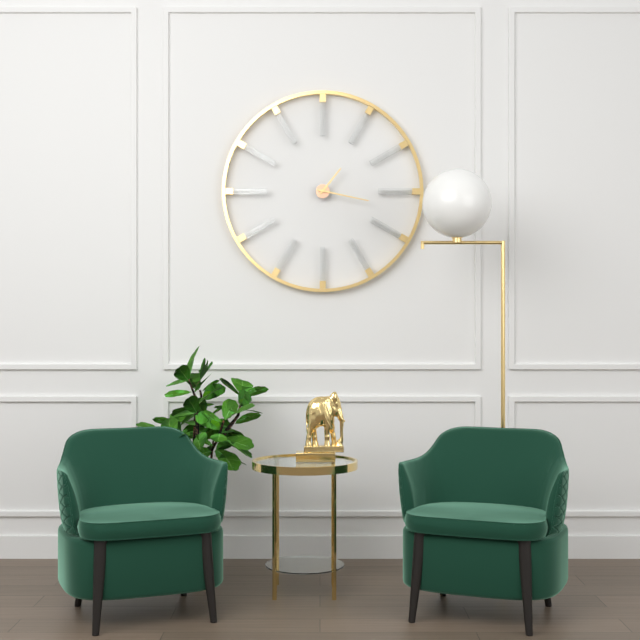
1:17
